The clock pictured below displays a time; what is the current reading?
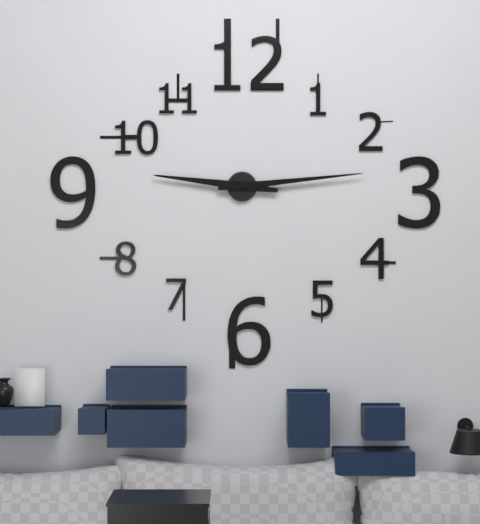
9:14
